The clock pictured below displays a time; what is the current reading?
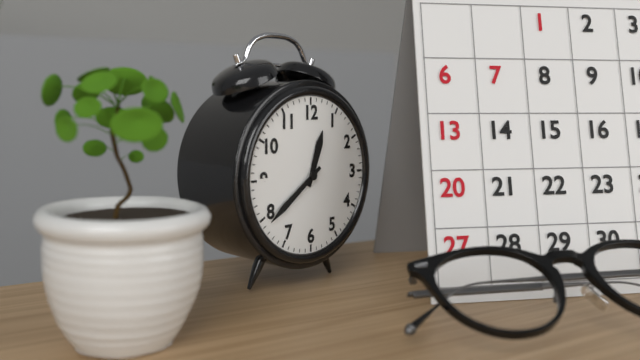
12:39
